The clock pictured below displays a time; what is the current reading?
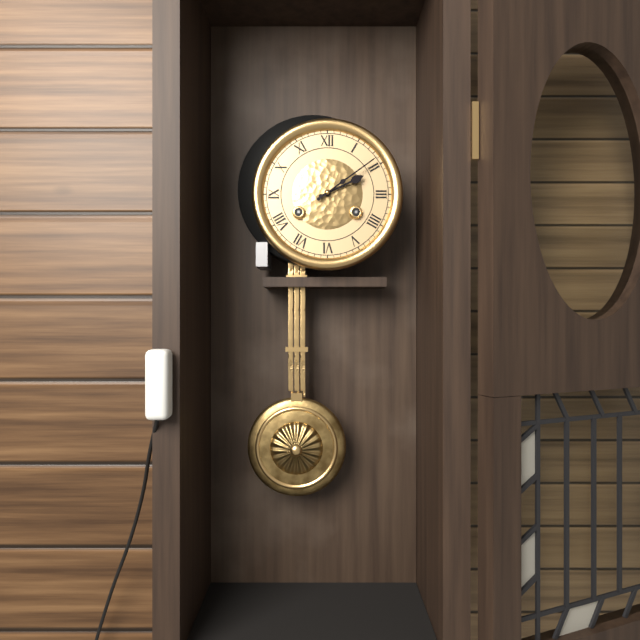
2:09
